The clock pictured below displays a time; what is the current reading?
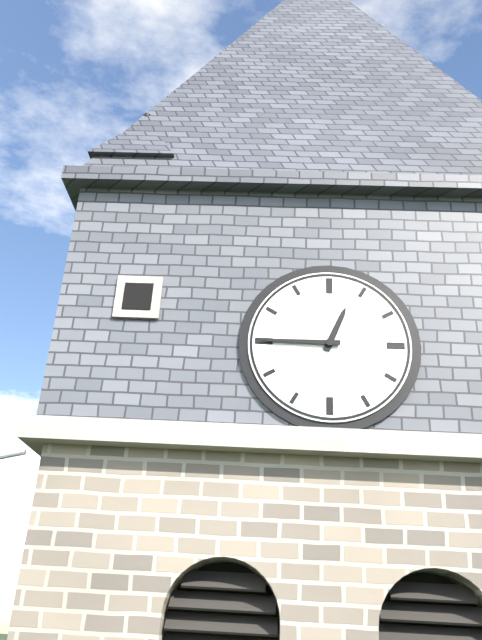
12:45
